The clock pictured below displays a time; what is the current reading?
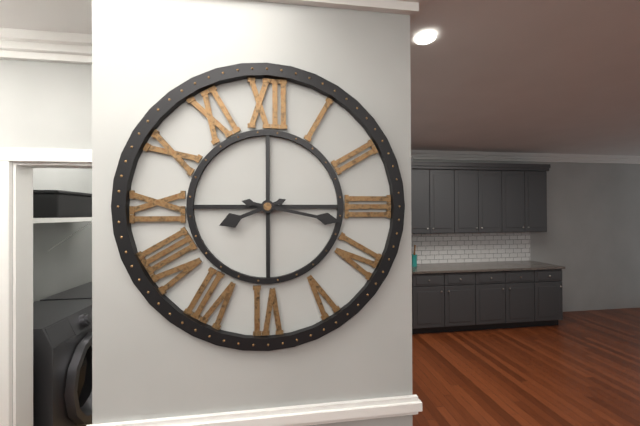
8:17
